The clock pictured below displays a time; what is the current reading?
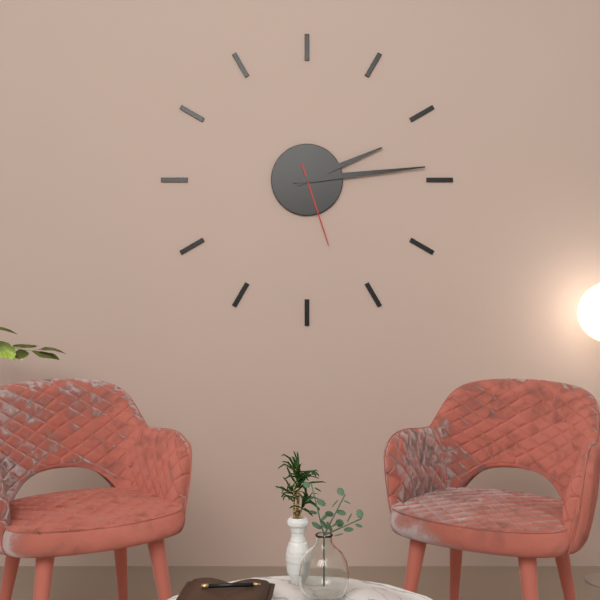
2:14:27
